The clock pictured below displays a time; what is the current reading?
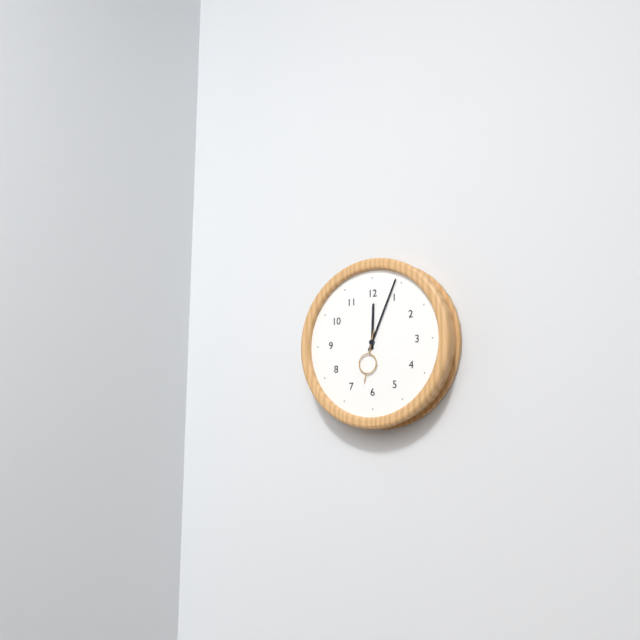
12:04:32
